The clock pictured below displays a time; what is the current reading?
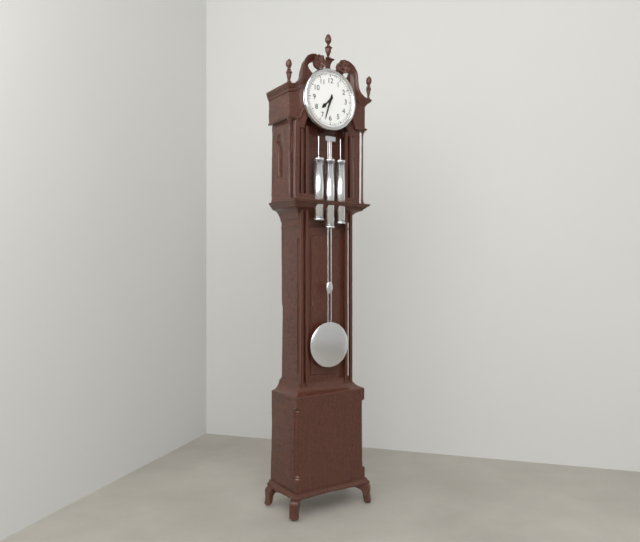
7:33
